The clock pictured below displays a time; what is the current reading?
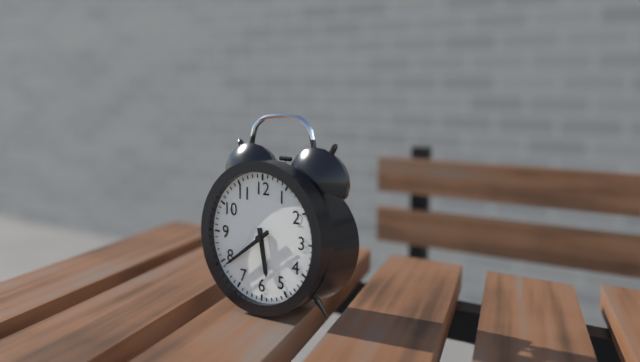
5:39:39
